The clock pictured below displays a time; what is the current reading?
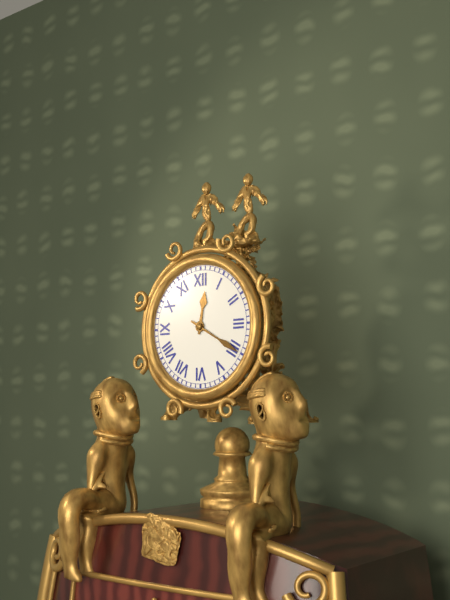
12:20
